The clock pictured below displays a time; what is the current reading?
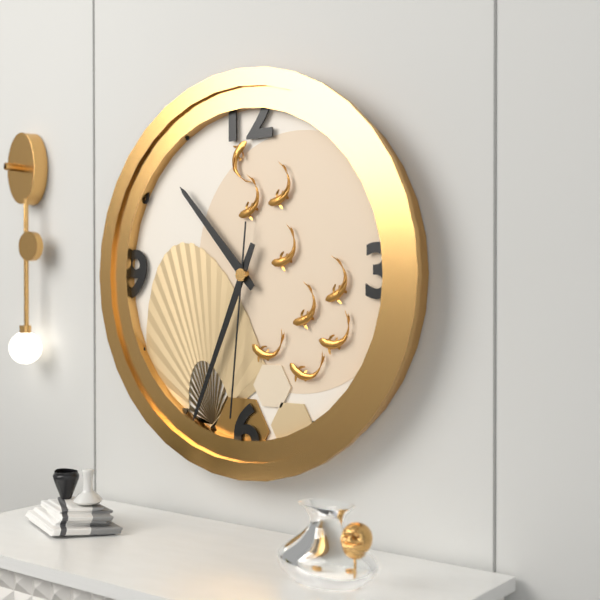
10:34:31
